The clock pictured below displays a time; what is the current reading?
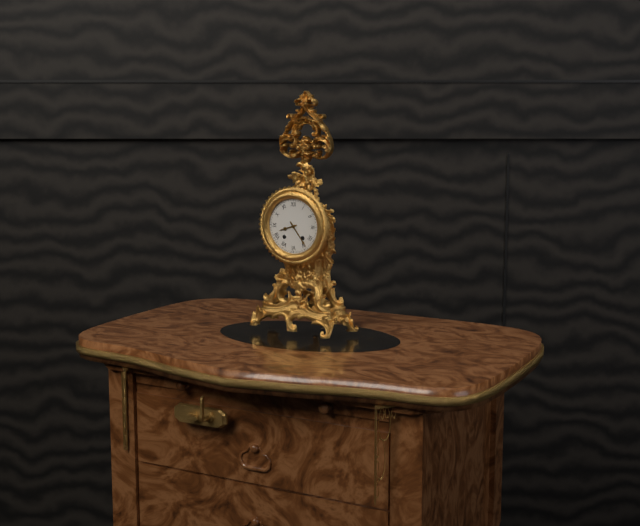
8:24
